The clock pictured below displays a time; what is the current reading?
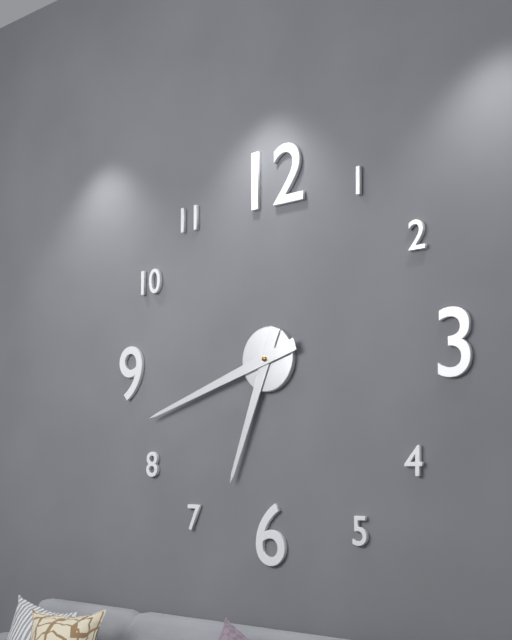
6:42
